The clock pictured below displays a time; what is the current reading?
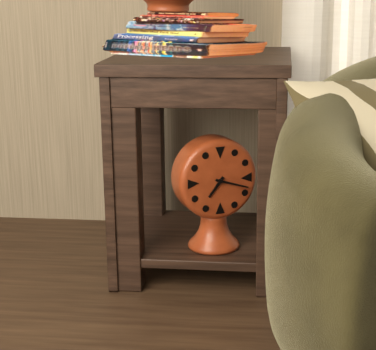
7:18
